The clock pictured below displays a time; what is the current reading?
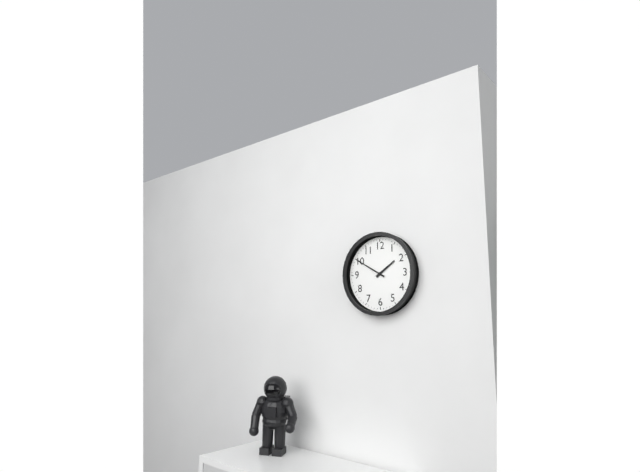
1:50
